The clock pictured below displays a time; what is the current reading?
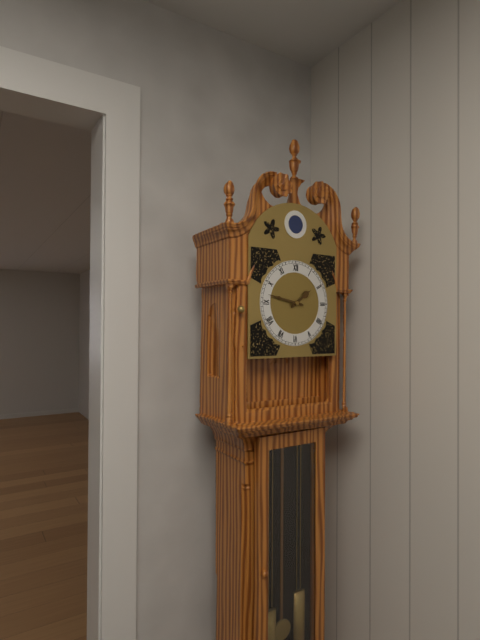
1:47
